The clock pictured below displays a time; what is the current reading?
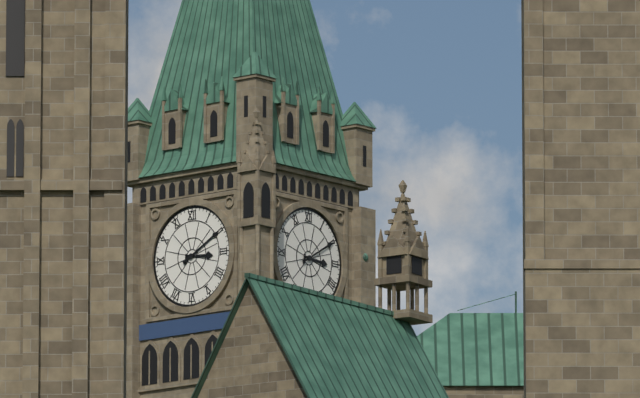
3:10
